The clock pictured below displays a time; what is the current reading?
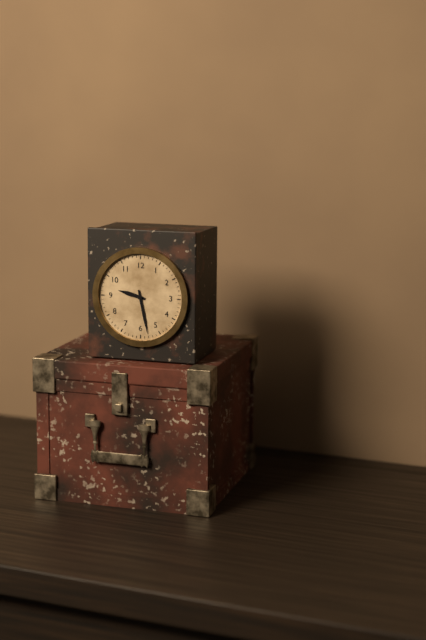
9:28
